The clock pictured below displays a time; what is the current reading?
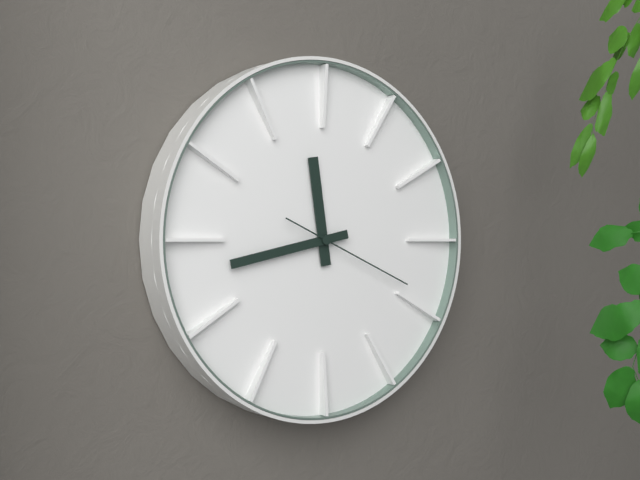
11:43:19
